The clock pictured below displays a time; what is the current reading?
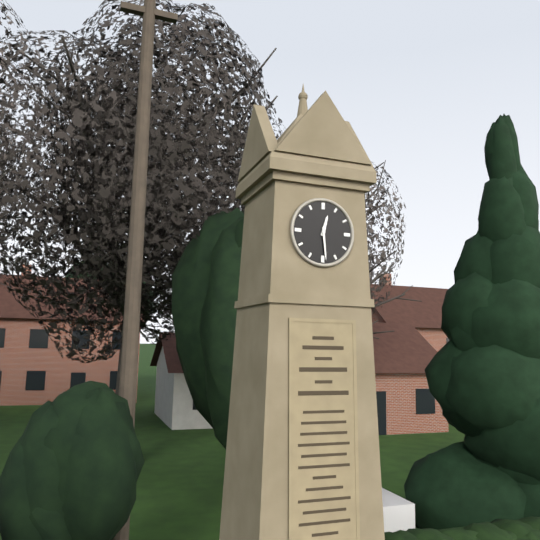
12:29
